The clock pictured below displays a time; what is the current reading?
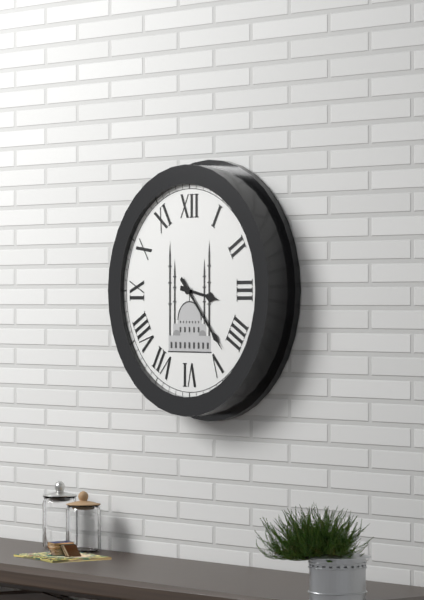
3:23
